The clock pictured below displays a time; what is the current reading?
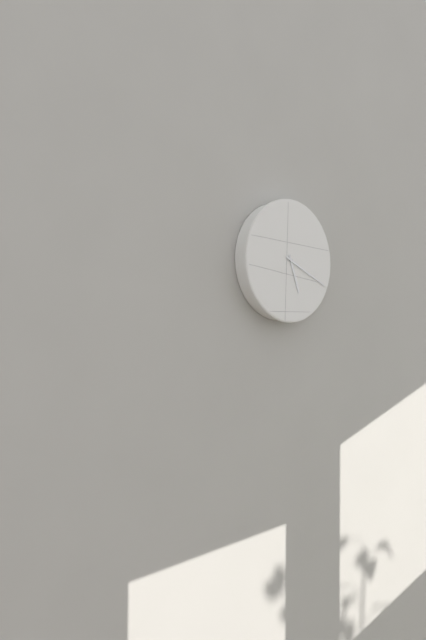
5:19
